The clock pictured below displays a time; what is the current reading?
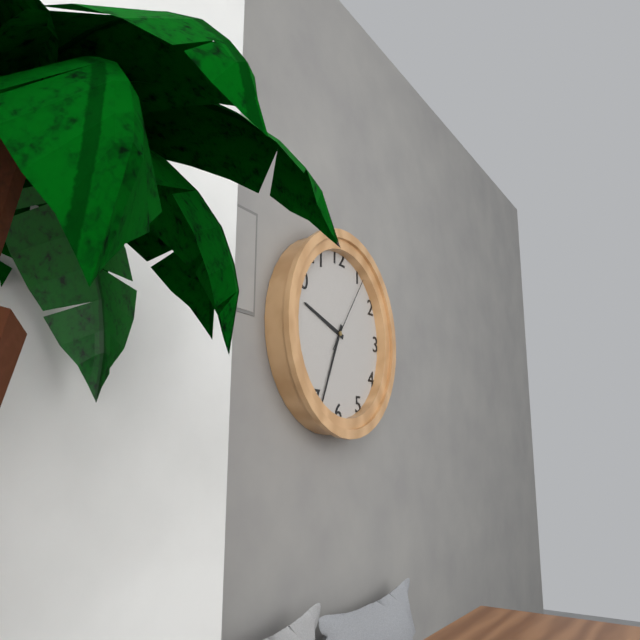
9:34:06
